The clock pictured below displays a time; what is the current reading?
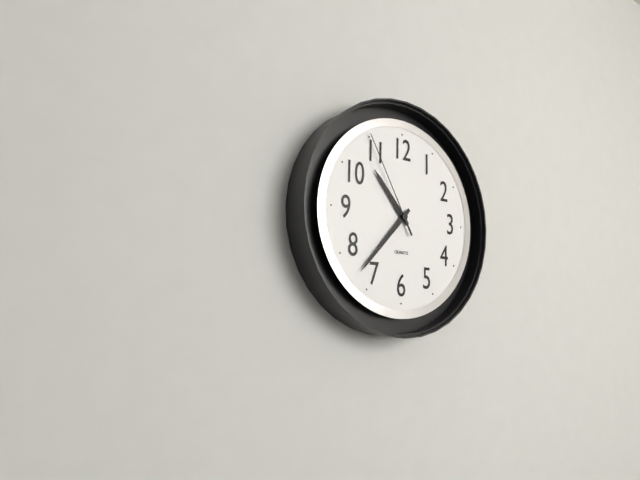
10:37:55
